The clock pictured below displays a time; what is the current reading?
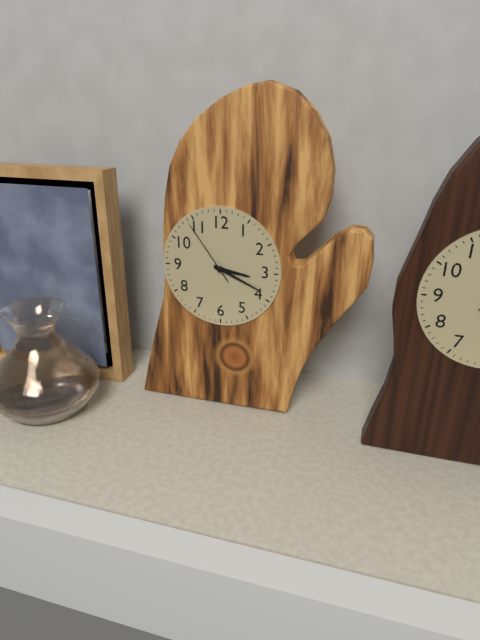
3:19:54
